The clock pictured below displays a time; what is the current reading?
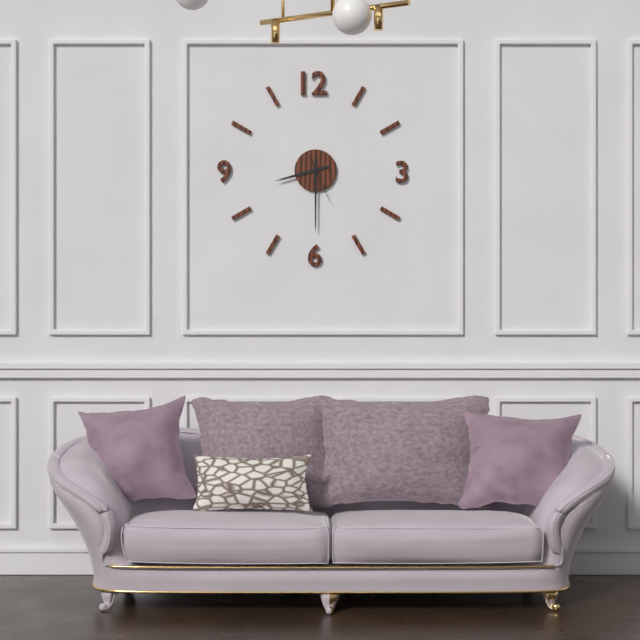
8:30
